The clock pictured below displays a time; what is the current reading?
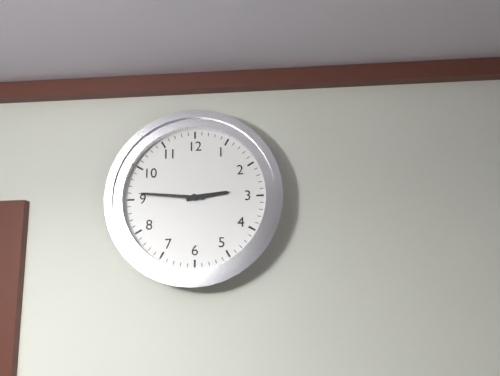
2:46
